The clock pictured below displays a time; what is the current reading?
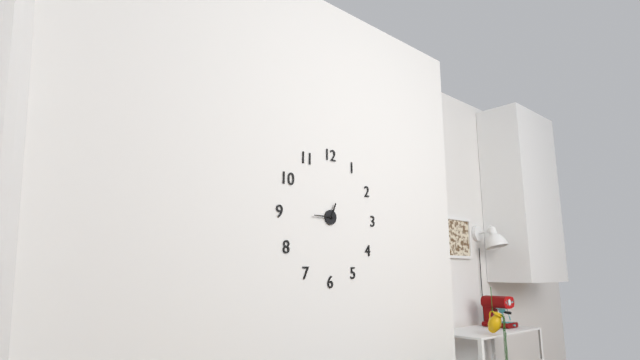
12:45
